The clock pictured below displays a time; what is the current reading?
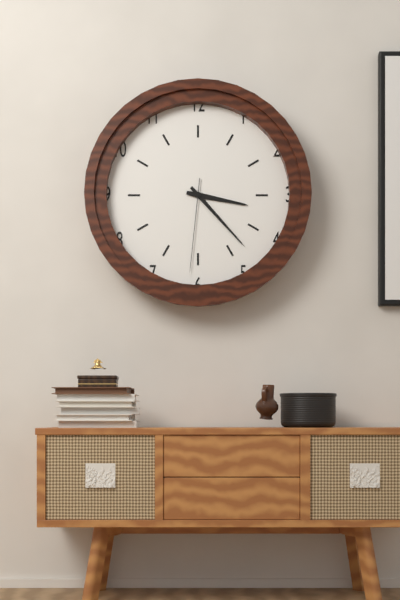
3:23:31
